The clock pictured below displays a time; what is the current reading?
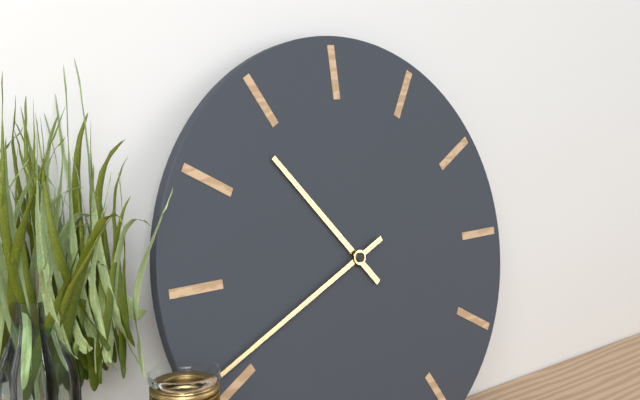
10:41
